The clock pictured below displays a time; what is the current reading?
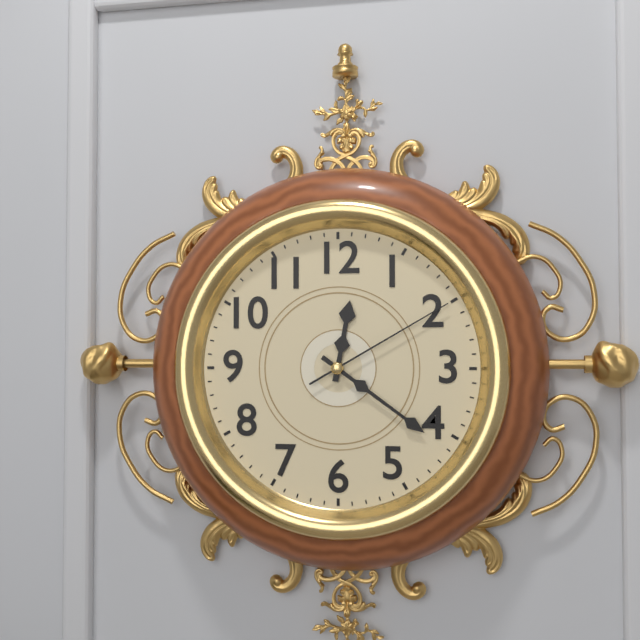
12:21:10
